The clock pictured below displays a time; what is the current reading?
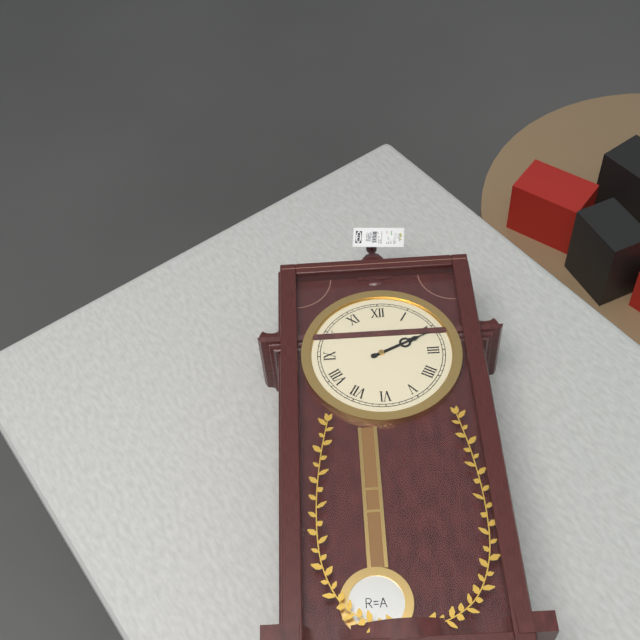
2:11
